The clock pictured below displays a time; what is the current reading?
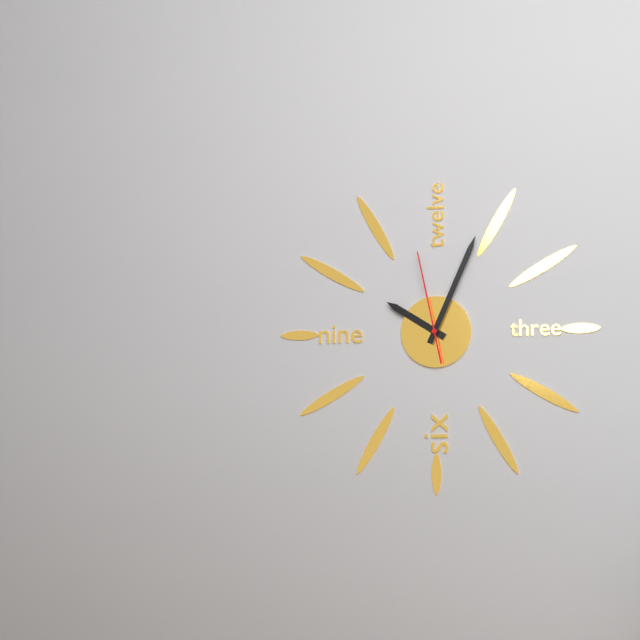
10:04:58
